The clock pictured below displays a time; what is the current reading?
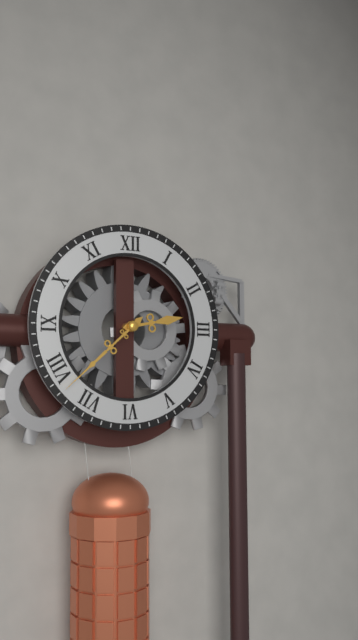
2:38
